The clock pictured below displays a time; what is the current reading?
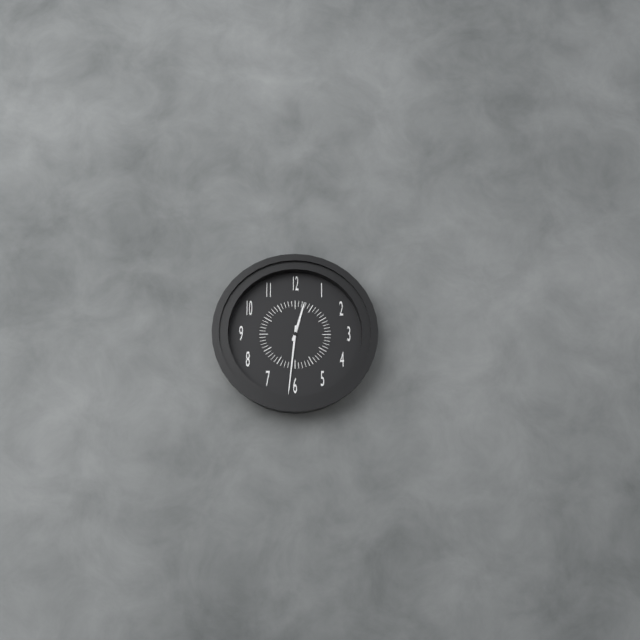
12:31
